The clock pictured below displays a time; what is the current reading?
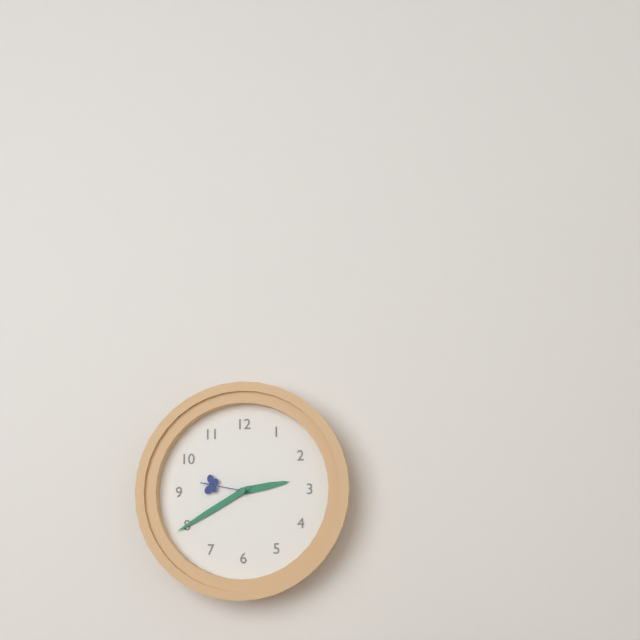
2:40:47
